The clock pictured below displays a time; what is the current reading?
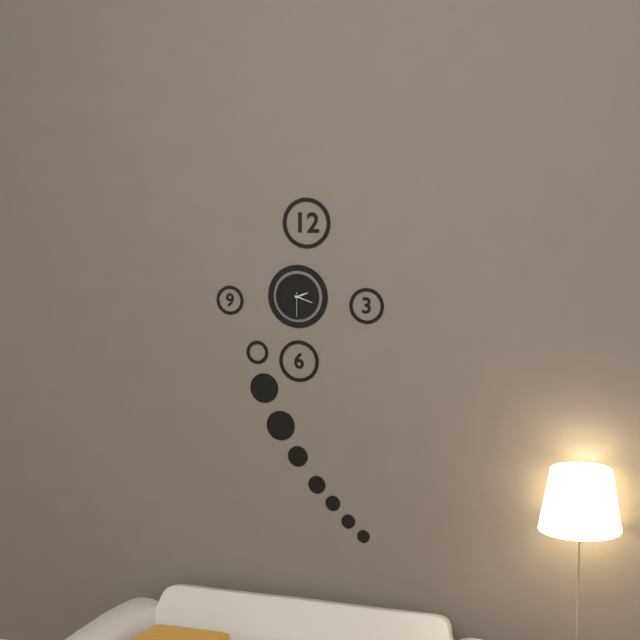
2:18
